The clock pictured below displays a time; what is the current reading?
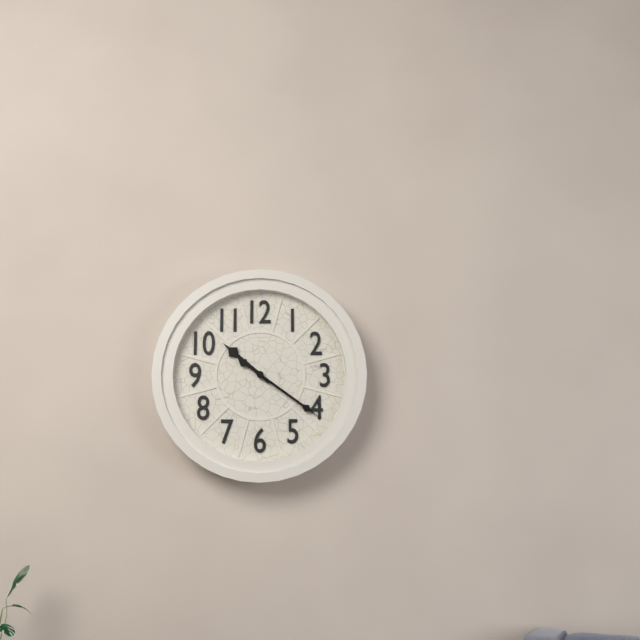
10:21
